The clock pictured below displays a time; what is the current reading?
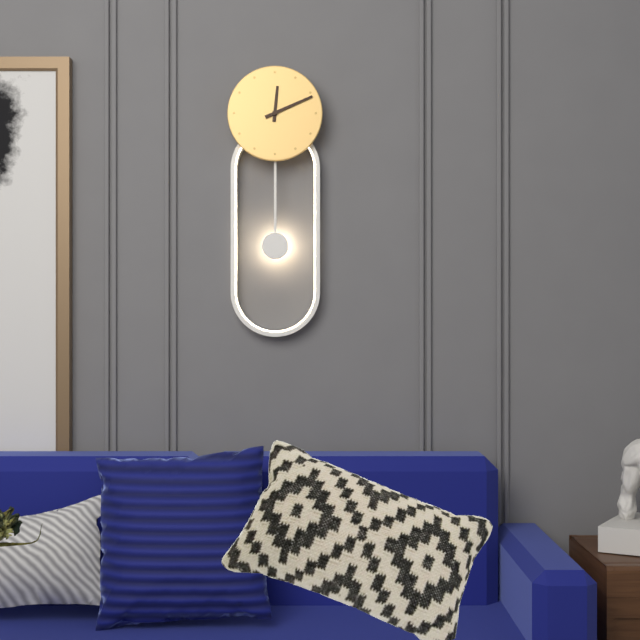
12:11
